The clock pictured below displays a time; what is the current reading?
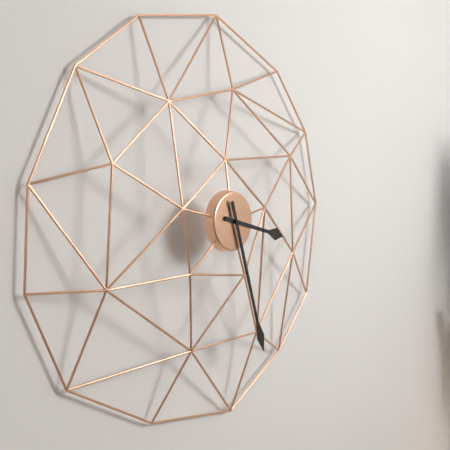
3:27
